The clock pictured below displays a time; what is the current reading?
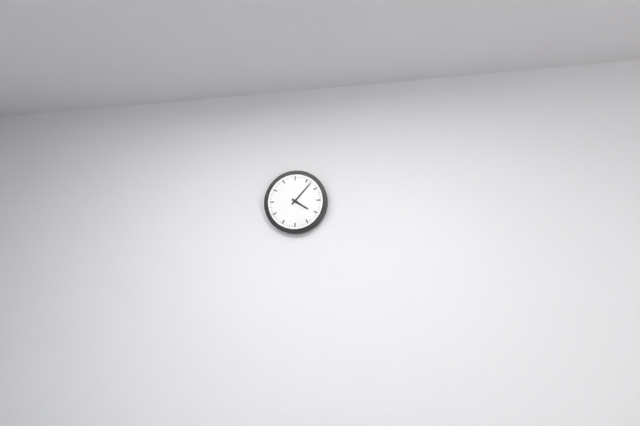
4:07
